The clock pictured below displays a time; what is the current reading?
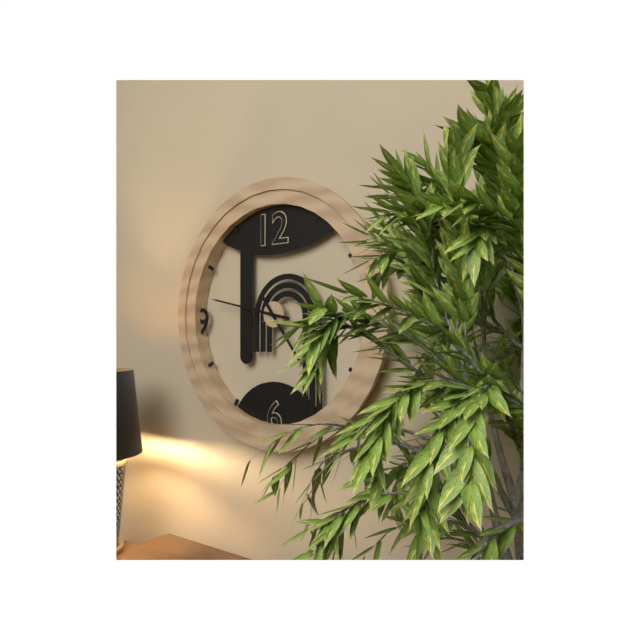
4:47
